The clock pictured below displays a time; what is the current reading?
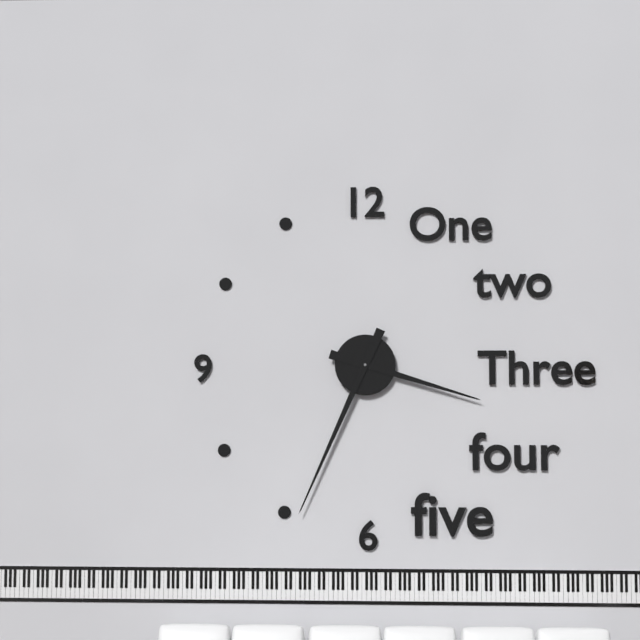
3:34
